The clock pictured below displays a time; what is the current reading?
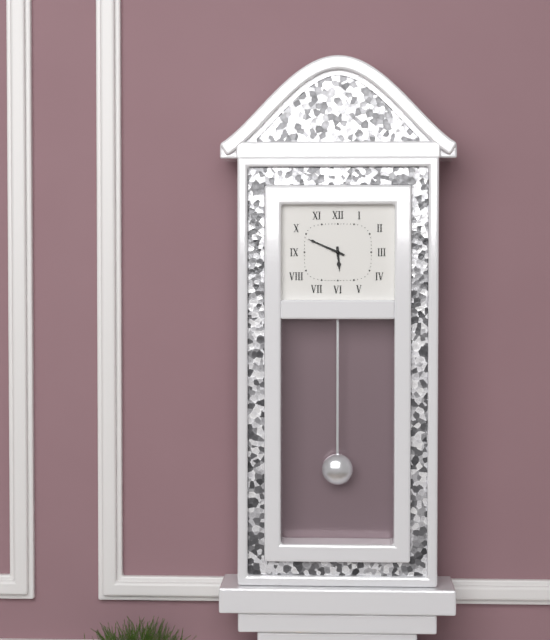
5:49
